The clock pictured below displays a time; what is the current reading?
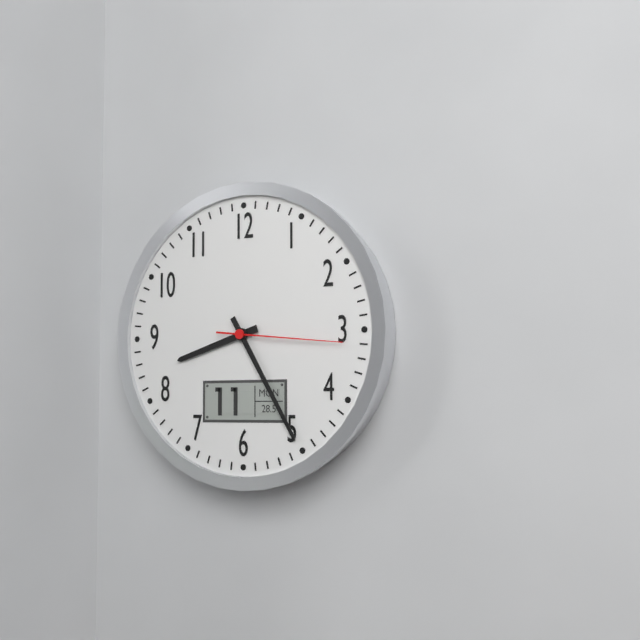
8:25:16
